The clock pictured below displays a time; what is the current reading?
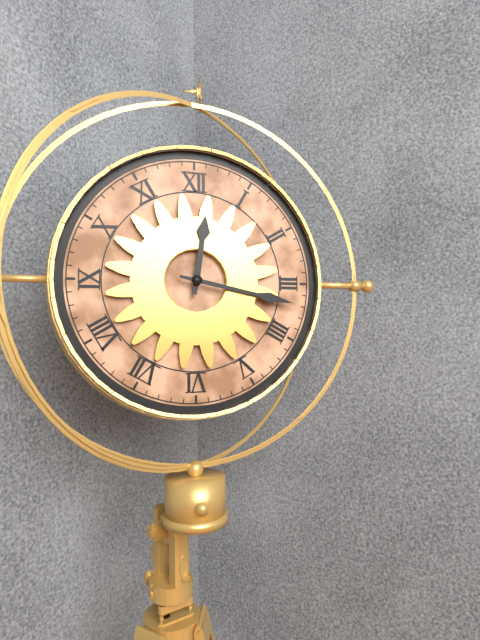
12:17
